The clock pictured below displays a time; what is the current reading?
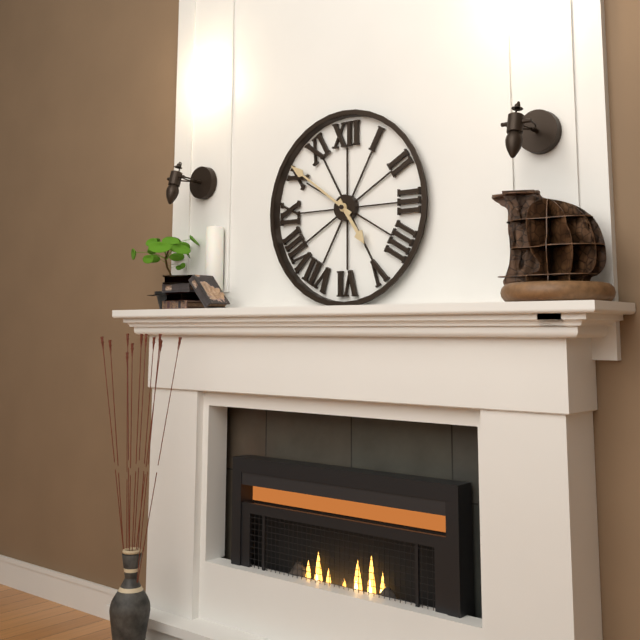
4:51
